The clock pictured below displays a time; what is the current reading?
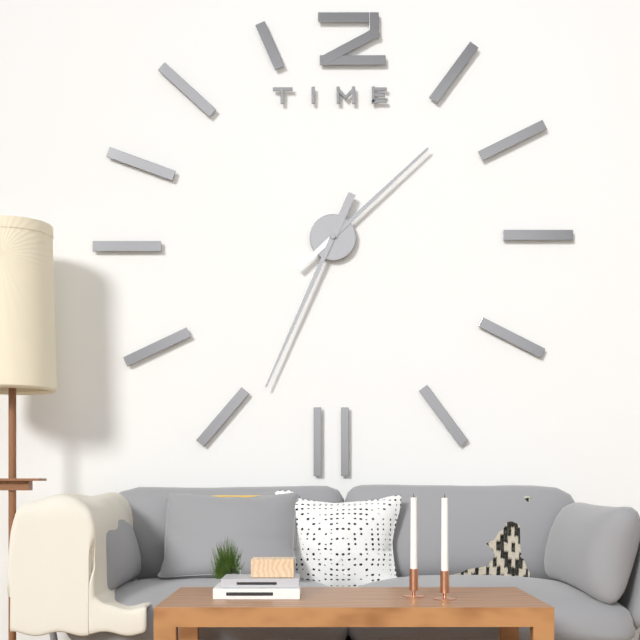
1:34
